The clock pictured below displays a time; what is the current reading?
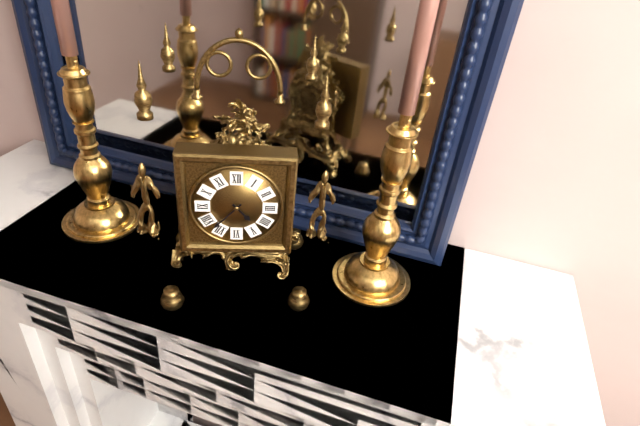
4:37
